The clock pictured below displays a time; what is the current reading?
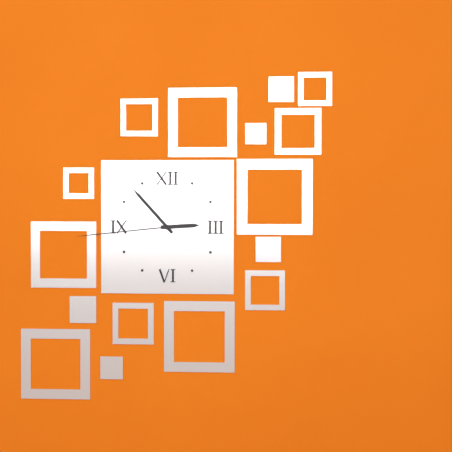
2:53:44
